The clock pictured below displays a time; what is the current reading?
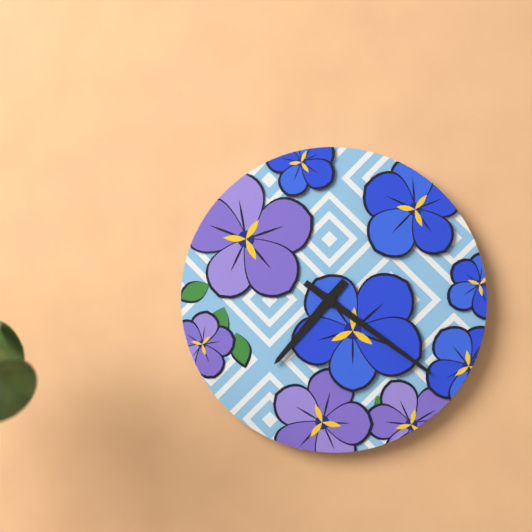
7:21
